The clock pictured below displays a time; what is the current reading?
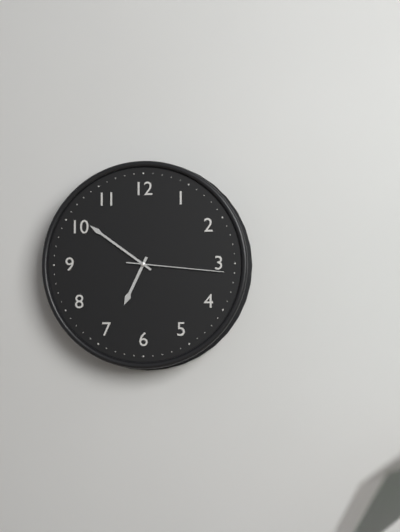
6:51:16
